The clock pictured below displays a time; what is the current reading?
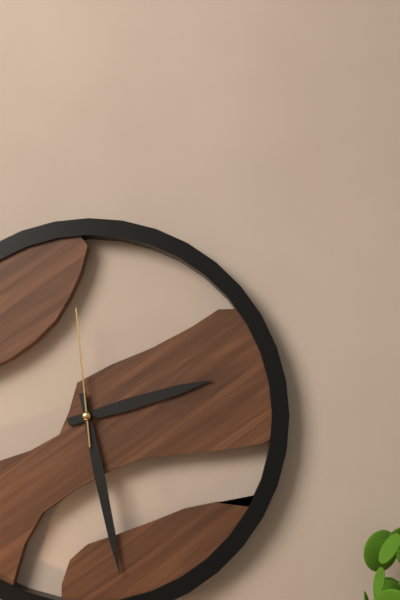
2:28:59
